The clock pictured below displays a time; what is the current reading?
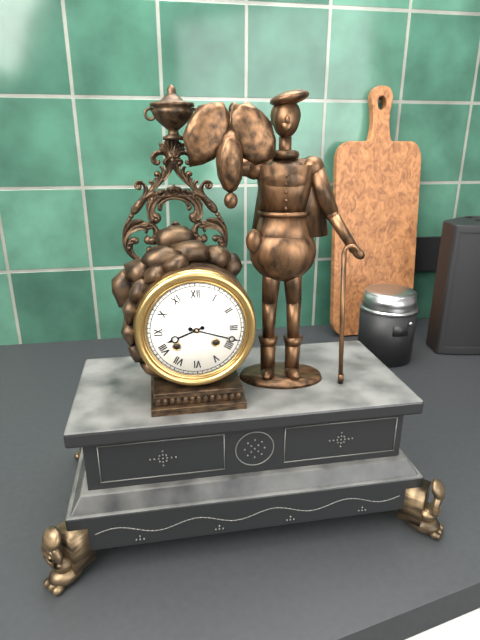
8:18
